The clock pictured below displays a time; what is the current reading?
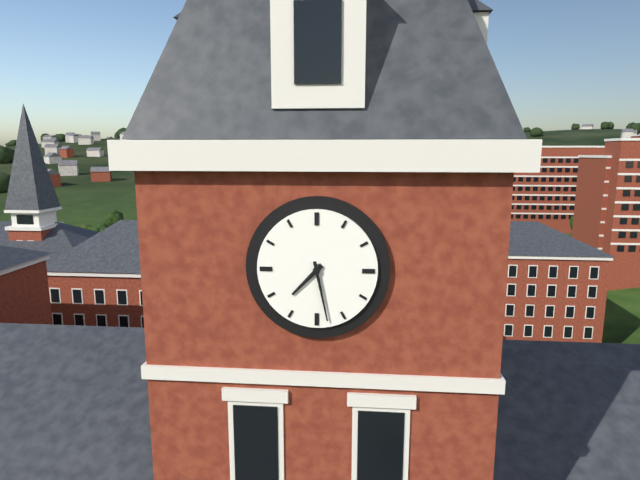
7:28
